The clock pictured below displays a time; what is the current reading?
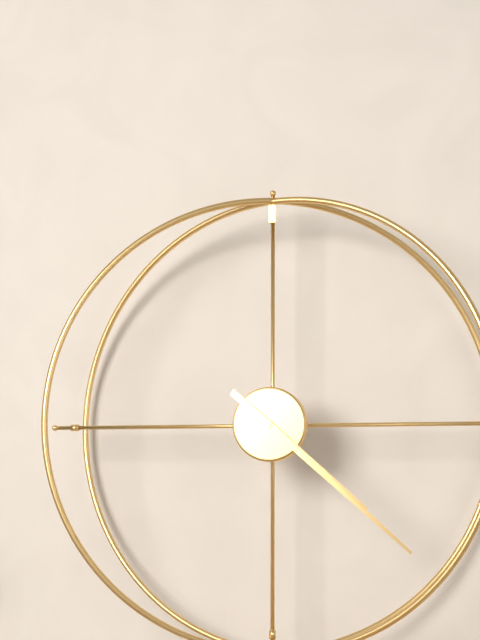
4:22
